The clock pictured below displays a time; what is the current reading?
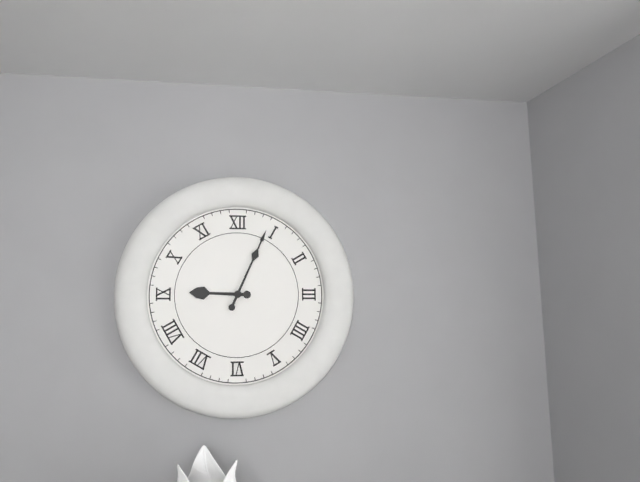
9:04
